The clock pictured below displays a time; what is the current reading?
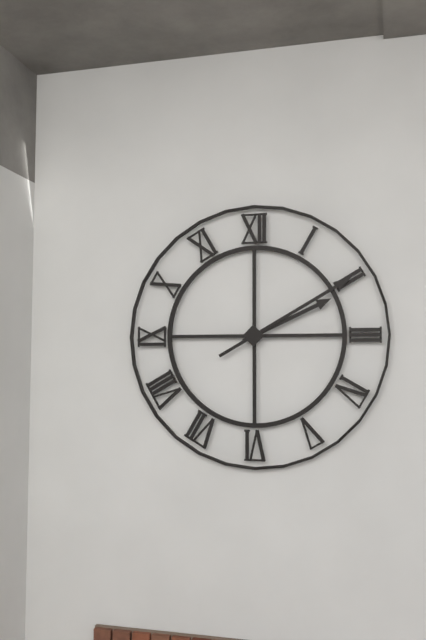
2:10
